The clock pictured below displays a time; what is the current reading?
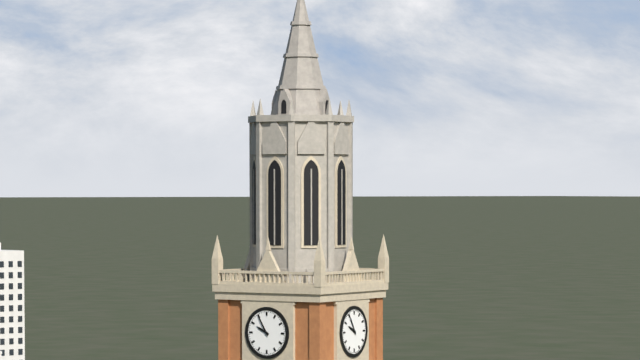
9:55
